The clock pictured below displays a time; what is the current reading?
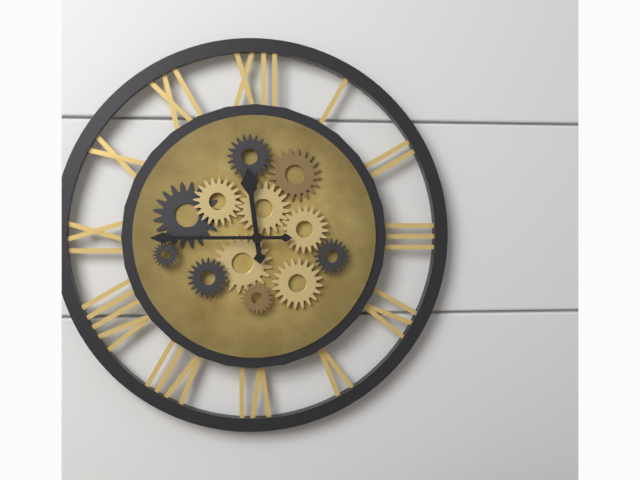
11:45
